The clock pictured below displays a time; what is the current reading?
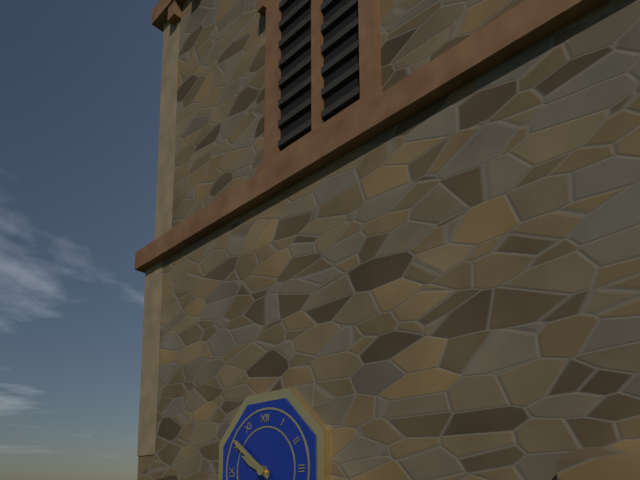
9:51
